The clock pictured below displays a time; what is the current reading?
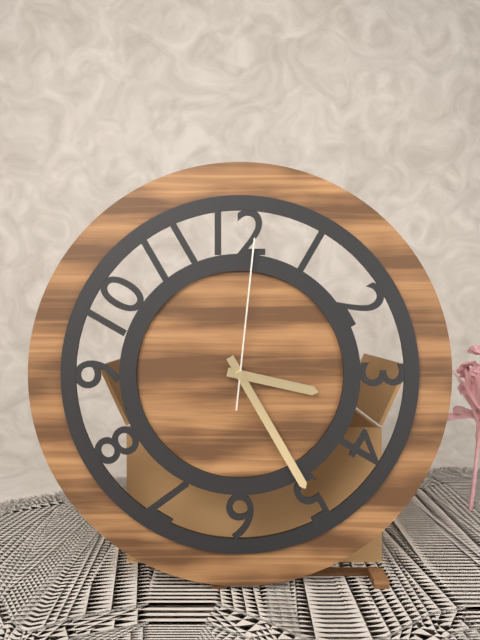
3:25:01
